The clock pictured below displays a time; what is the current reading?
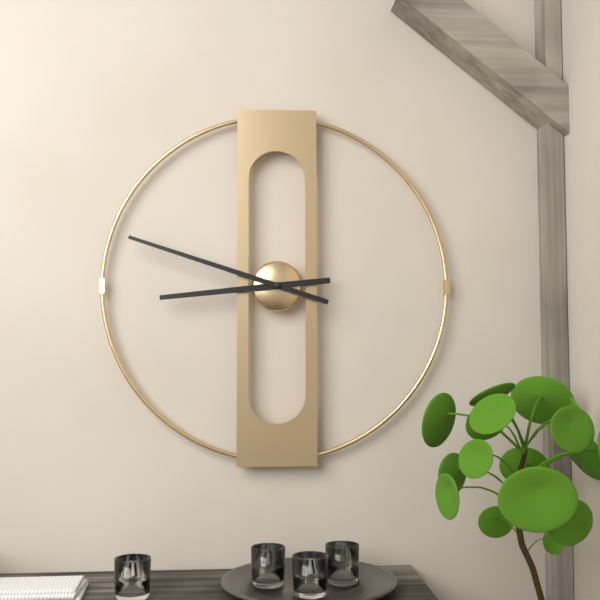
8:48
